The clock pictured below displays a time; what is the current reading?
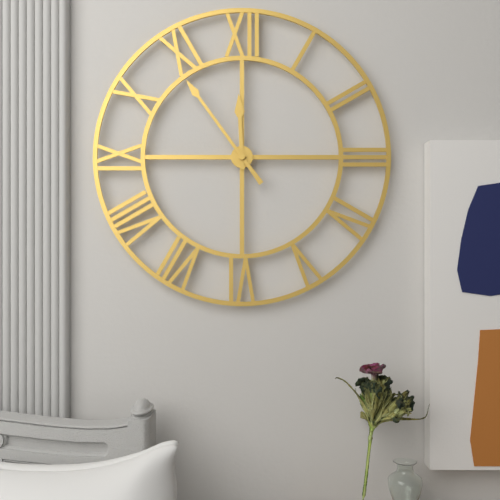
11:54
